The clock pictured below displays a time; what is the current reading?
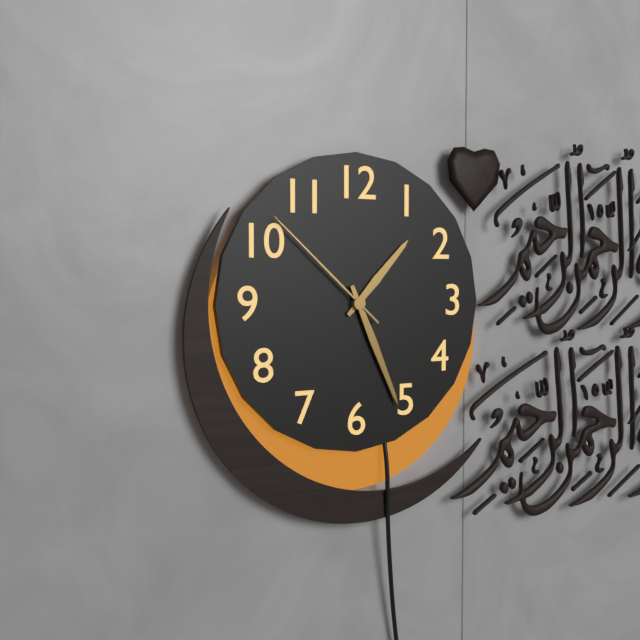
1:26:52
